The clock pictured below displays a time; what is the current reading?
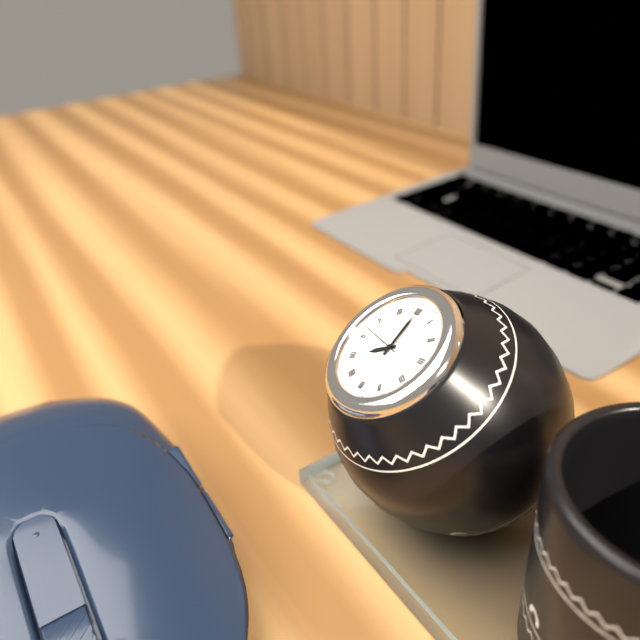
8:00
